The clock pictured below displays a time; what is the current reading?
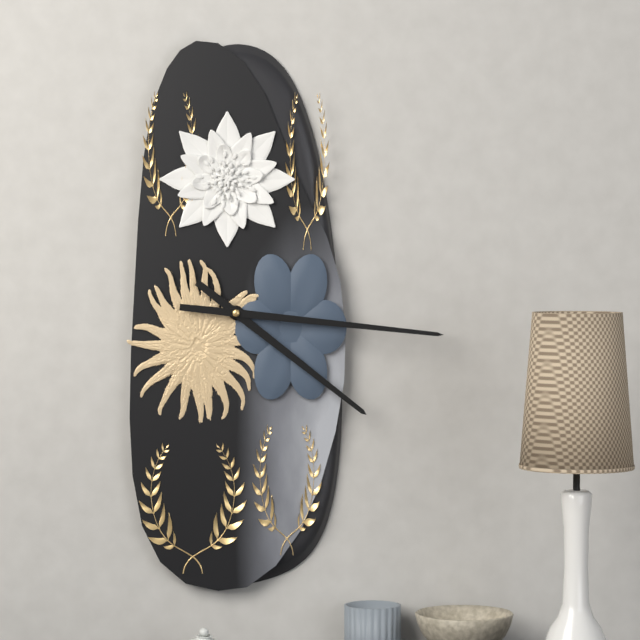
4:16
